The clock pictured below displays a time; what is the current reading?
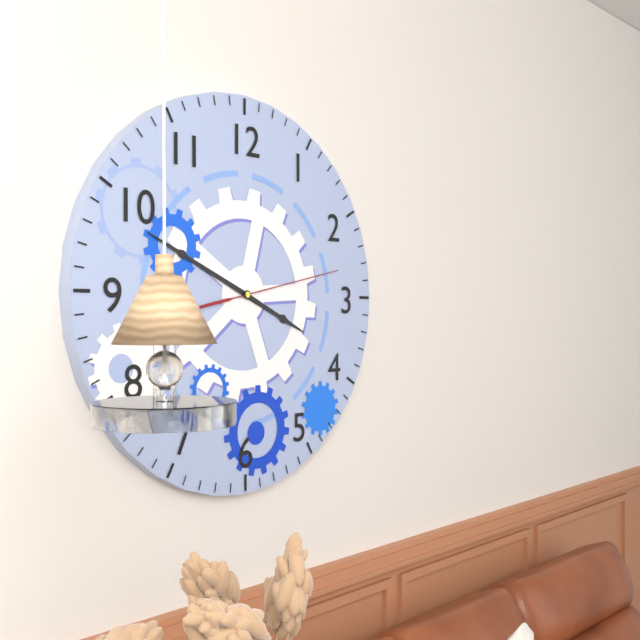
3:49:13
